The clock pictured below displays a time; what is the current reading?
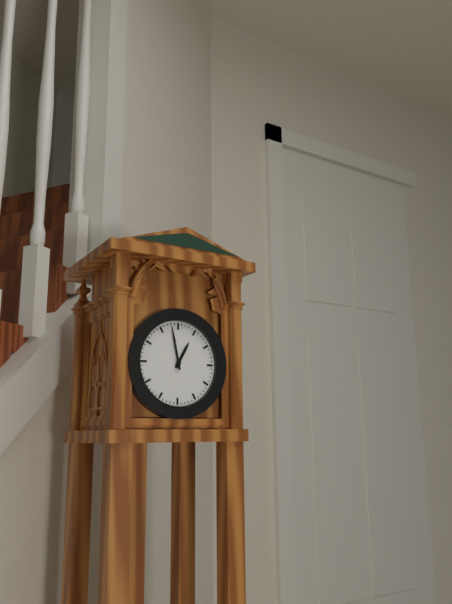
12:58
